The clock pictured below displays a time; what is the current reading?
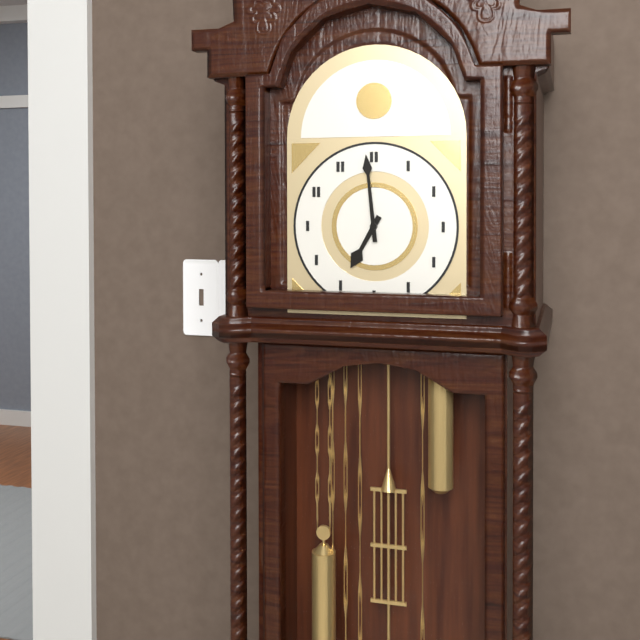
6:59
